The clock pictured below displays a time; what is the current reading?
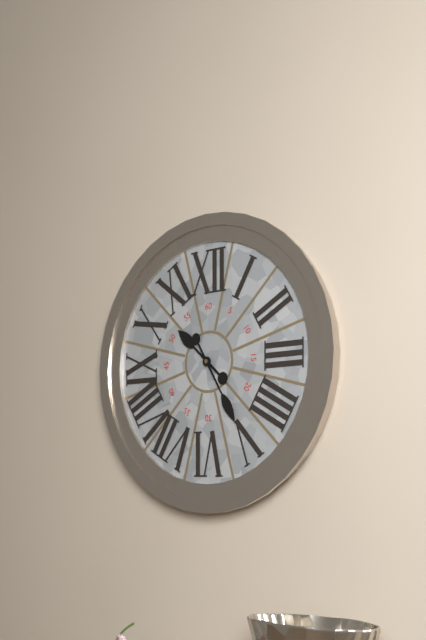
10:25
